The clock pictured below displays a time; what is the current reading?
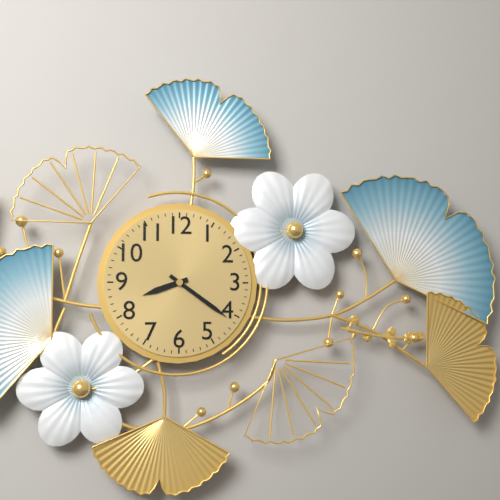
8:21
